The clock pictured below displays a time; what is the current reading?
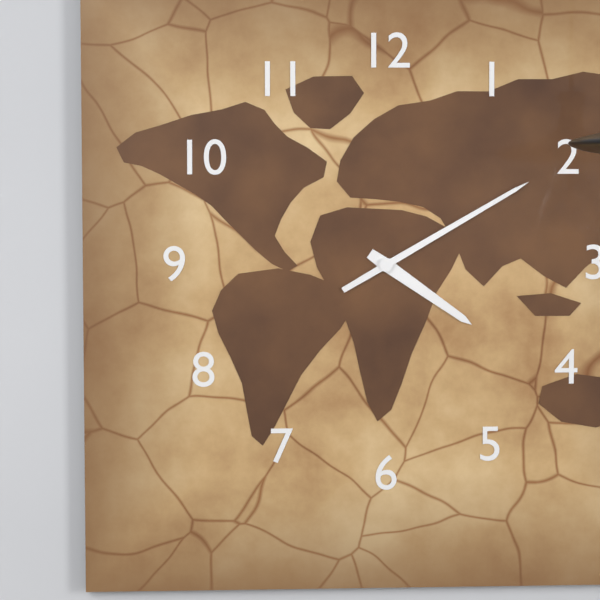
4:10
